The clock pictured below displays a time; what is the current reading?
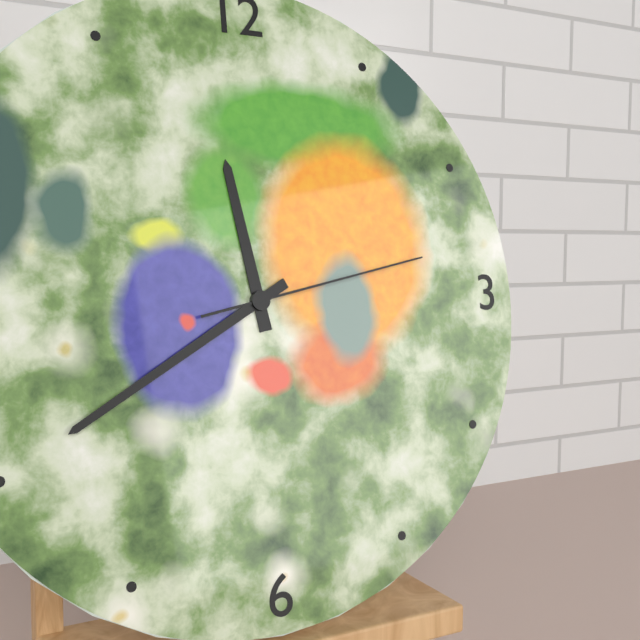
11:40:13
